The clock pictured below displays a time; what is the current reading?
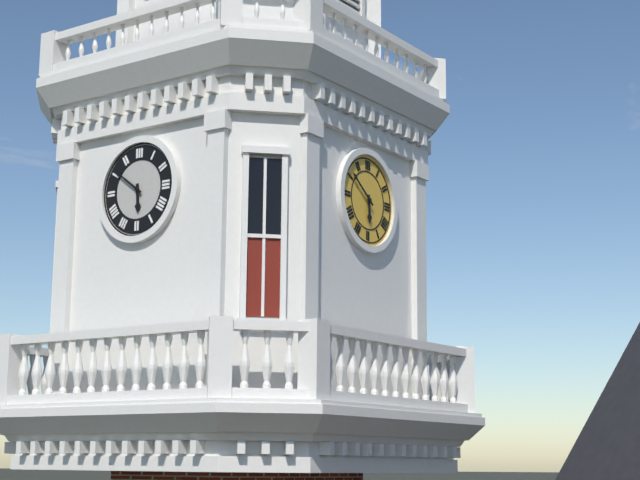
5:51
